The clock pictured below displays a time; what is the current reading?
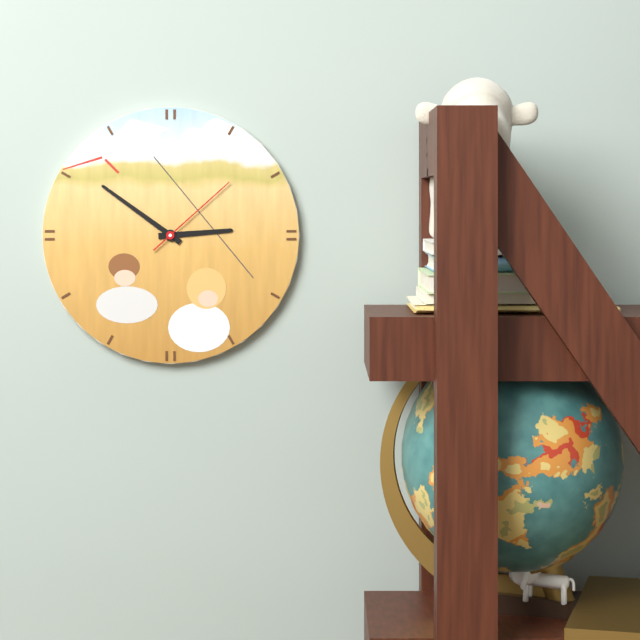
2:51:08
